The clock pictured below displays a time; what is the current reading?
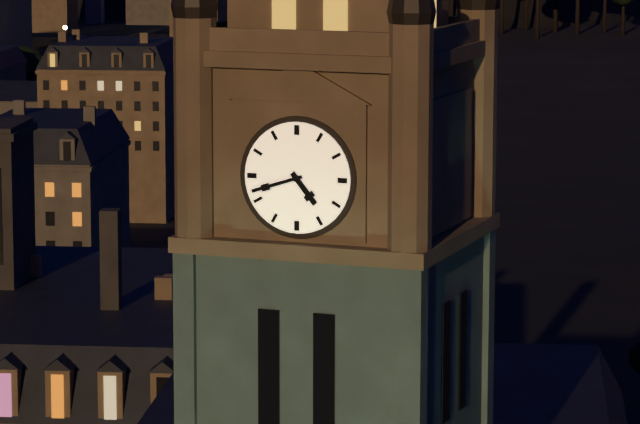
4:42
